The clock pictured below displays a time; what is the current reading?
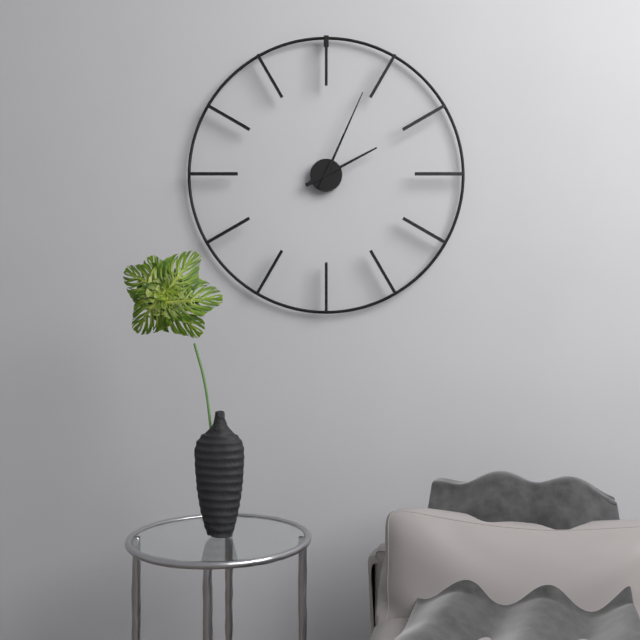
2:04
